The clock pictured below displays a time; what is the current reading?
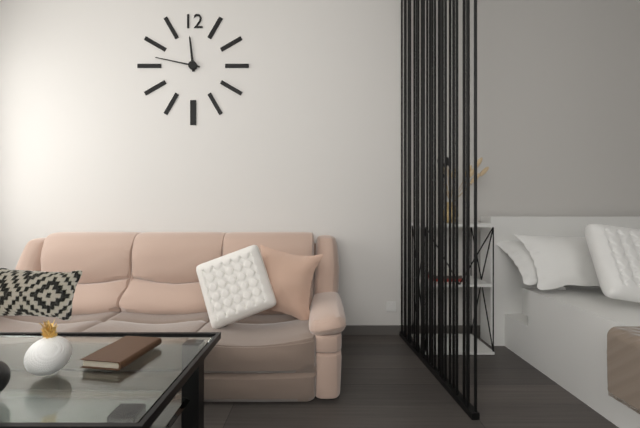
11:47
